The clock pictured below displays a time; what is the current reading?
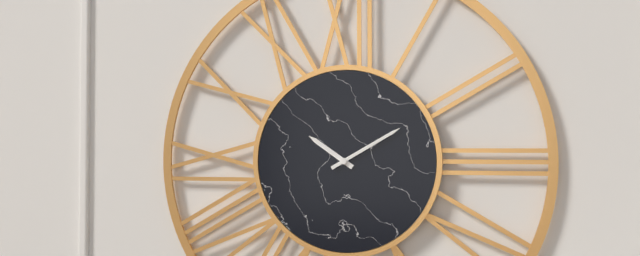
10:10
